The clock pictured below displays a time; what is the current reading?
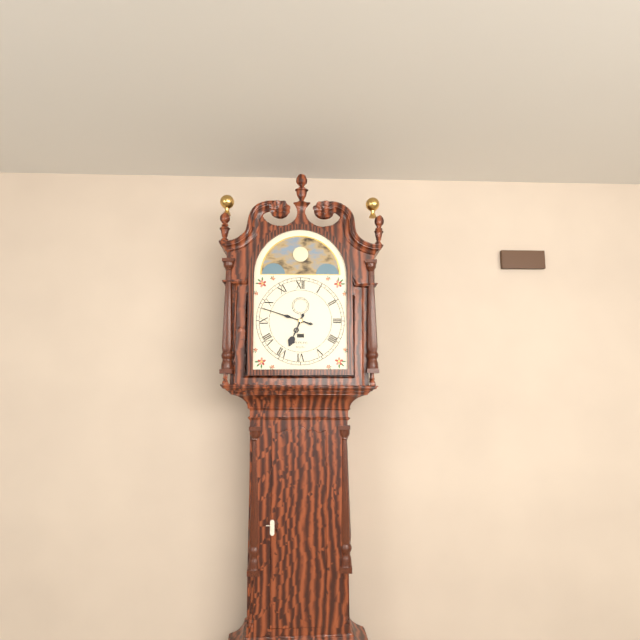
6:48
